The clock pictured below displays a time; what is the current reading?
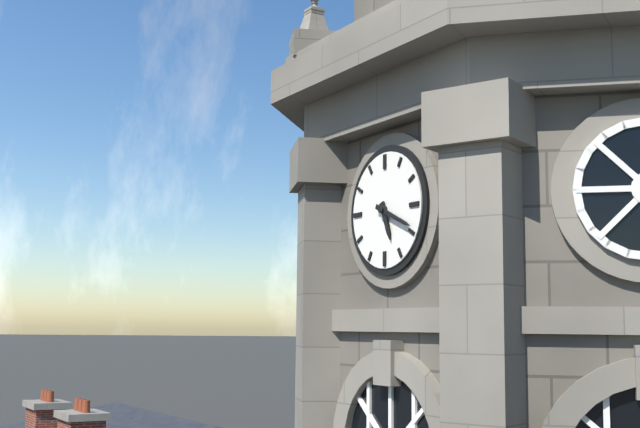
5:19
